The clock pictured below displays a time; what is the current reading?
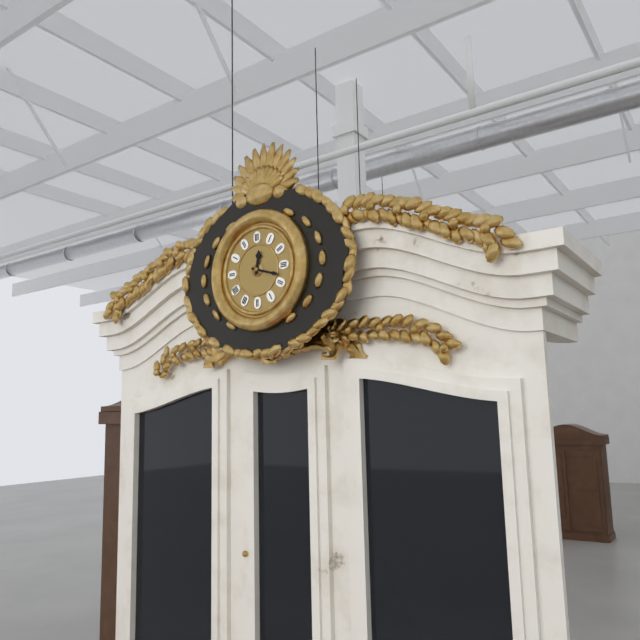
12:18
